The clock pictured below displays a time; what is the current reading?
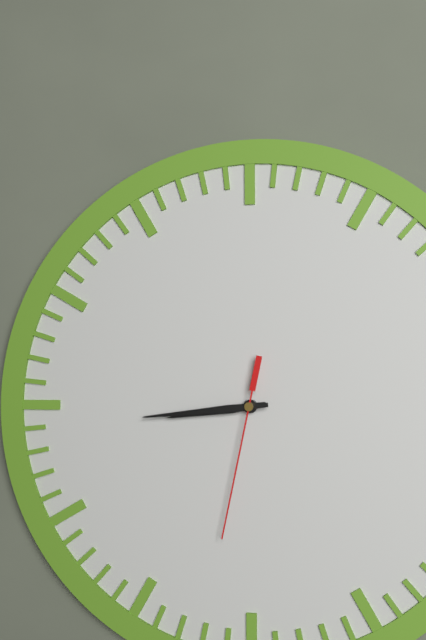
8:44:32
